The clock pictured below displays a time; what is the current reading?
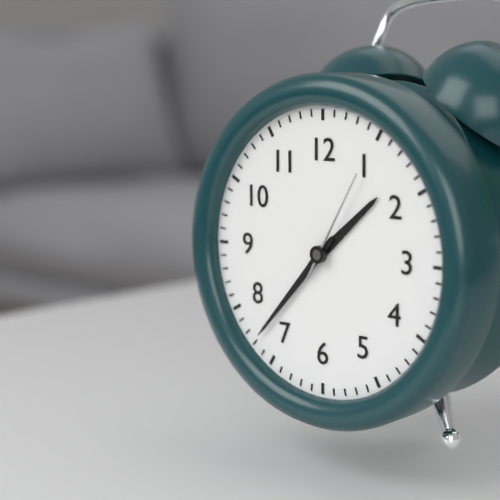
1:37:05
